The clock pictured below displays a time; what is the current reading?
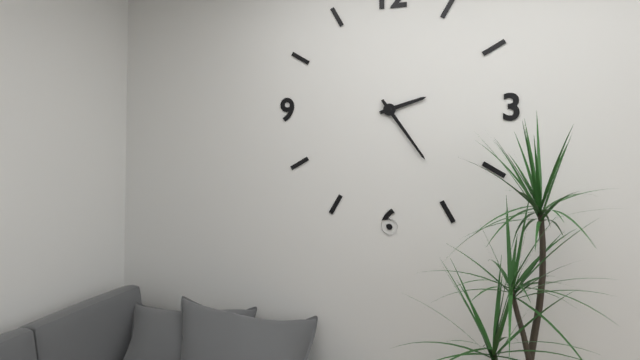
2:24
